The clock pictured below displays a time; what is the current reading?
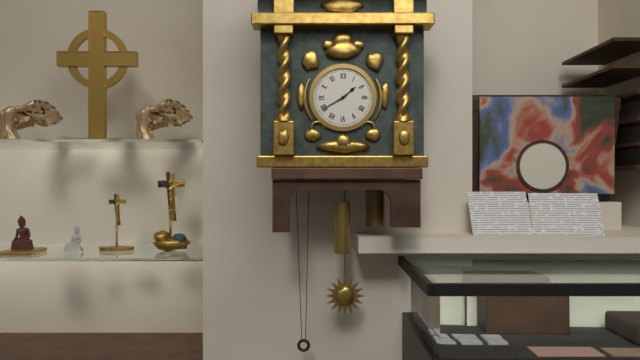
1:40
